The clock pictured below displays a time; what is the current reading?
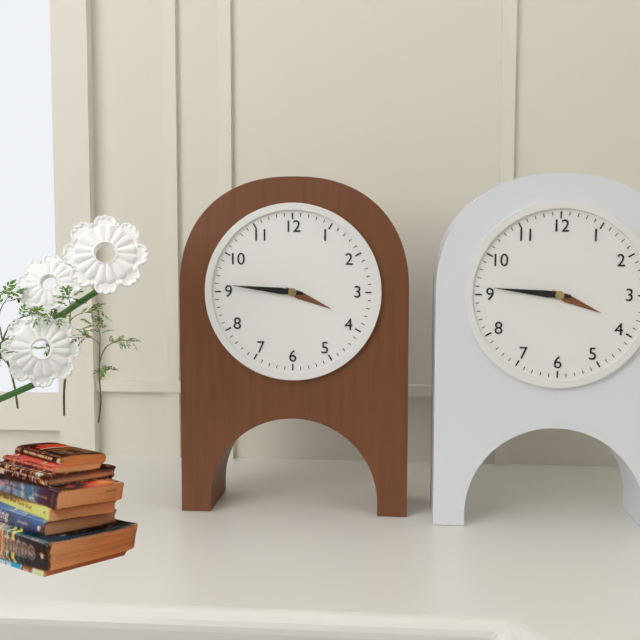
3:46
